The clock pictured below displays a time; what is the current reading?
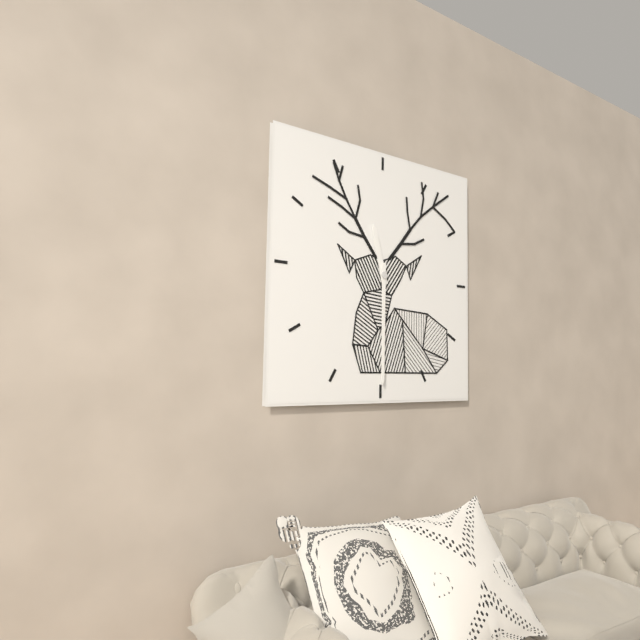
11:30
